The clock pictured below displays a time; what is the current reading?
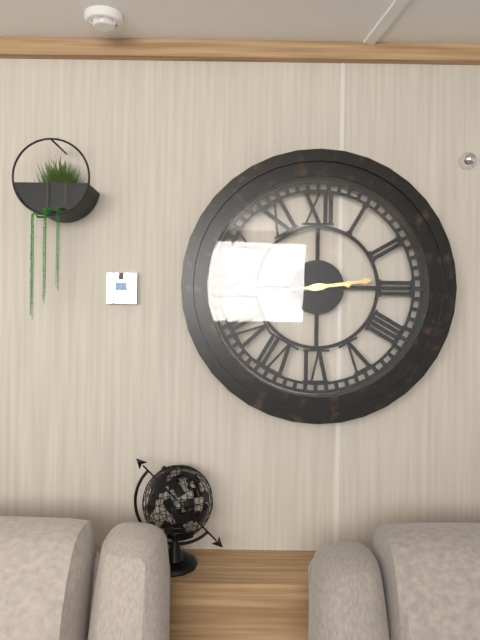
2:44
